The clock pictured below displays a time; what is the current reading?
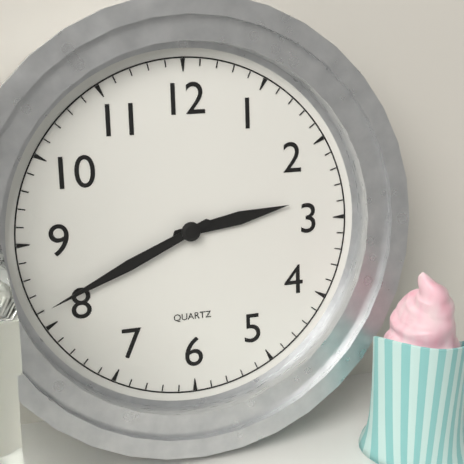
2:41
